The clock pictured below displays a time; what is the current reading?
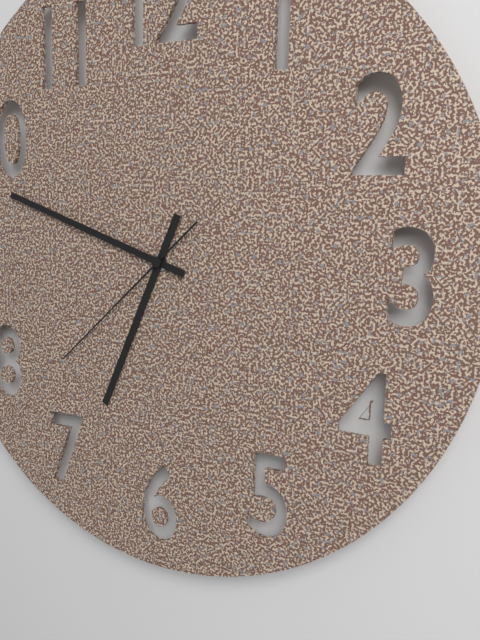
6:48:38
